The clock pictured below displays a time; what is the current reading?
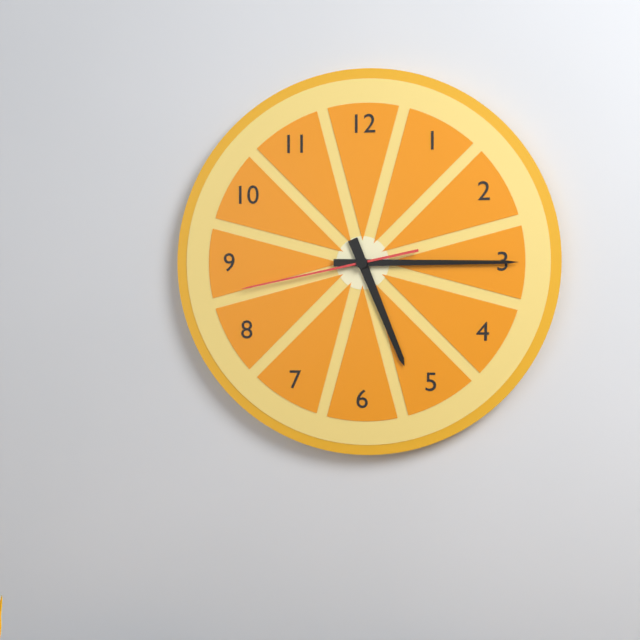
5:15:43
